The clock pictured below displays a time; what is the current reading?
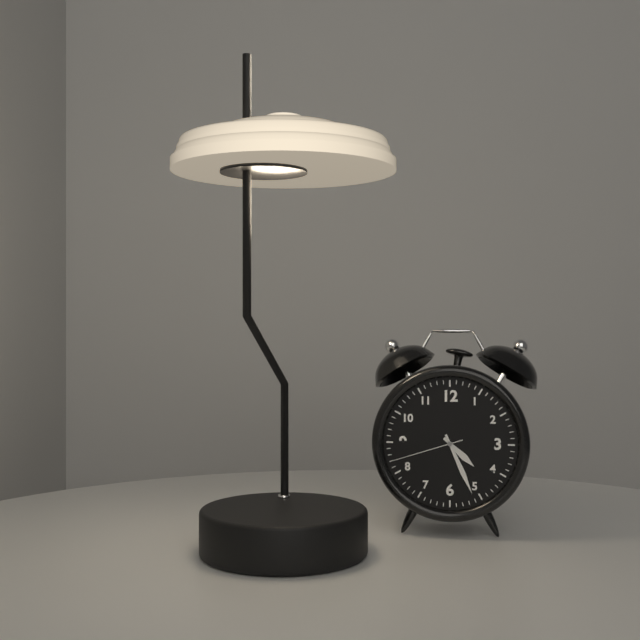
4:26:42
